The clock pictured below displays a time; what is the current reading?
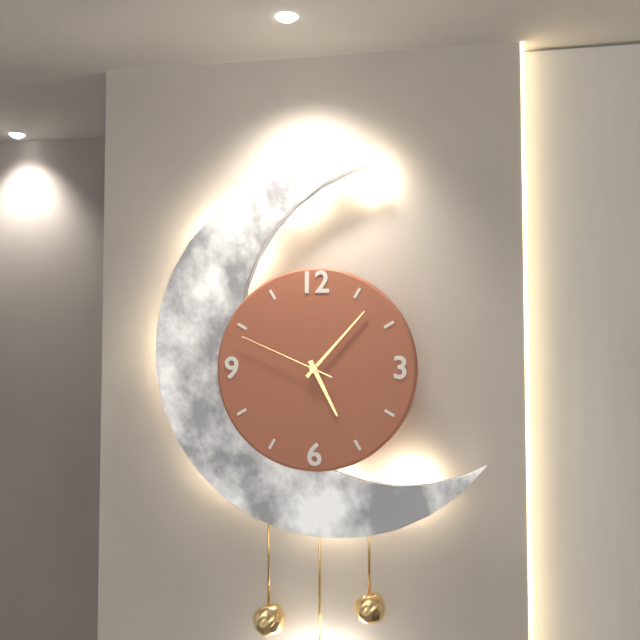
5:07:49
